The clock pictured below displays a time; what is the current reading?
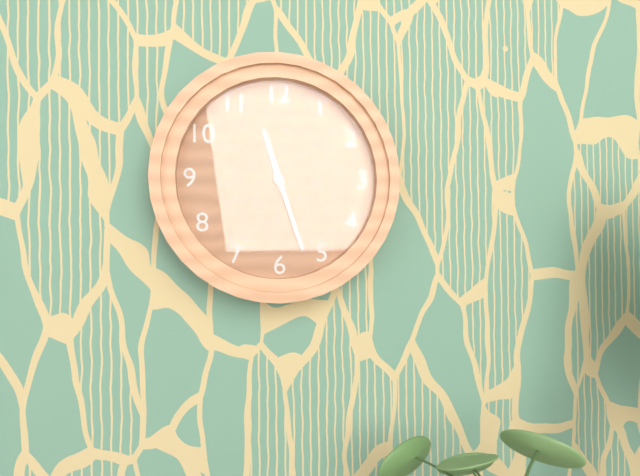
11:27
